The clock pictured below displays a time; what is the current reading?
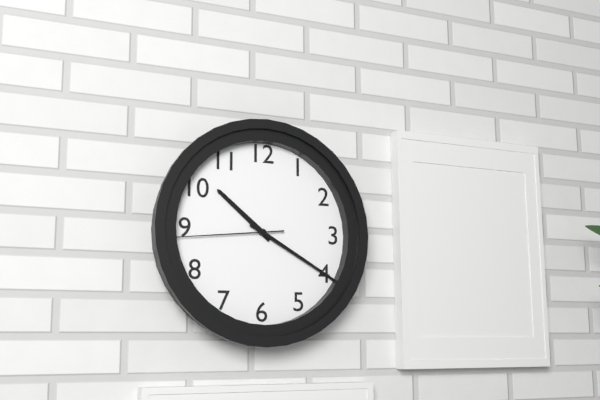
10:20:44
